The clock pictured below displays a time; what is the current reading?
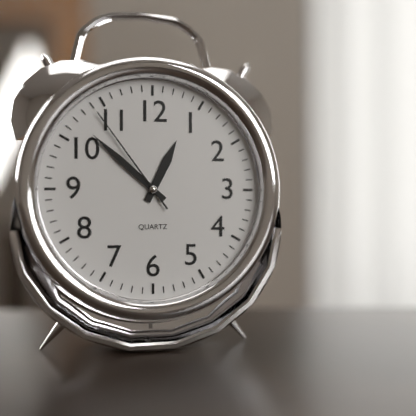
12:52:54
